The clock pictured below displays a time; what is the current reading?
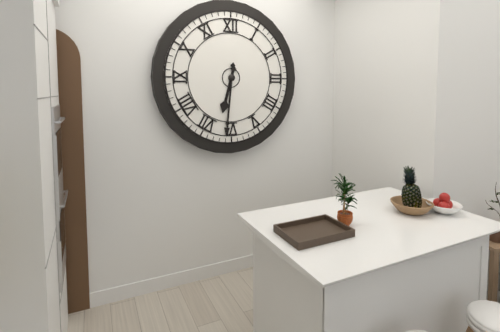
6:31
